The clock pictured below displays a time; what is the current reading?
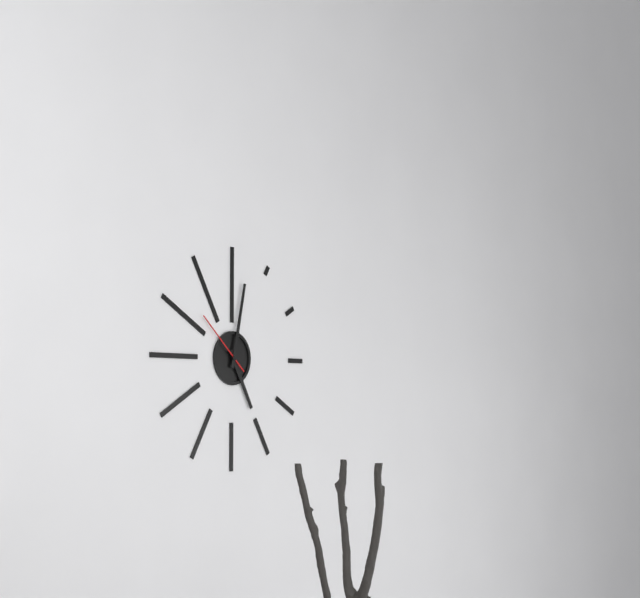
5:02:52
